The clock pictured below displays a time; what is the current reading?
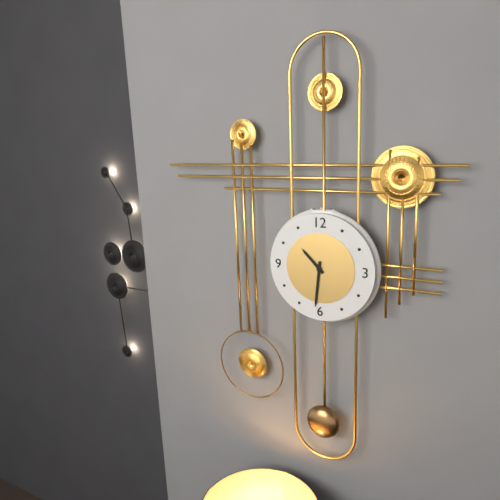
10:31
